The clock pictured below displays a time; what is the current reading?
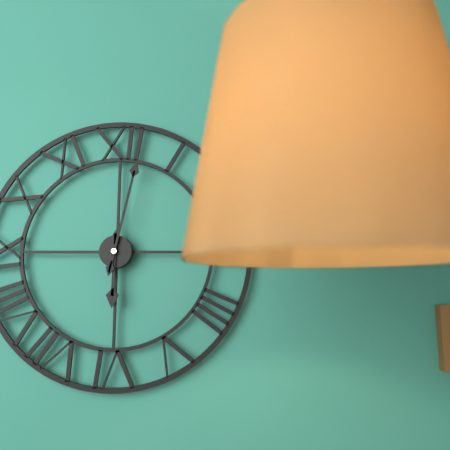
6:02
